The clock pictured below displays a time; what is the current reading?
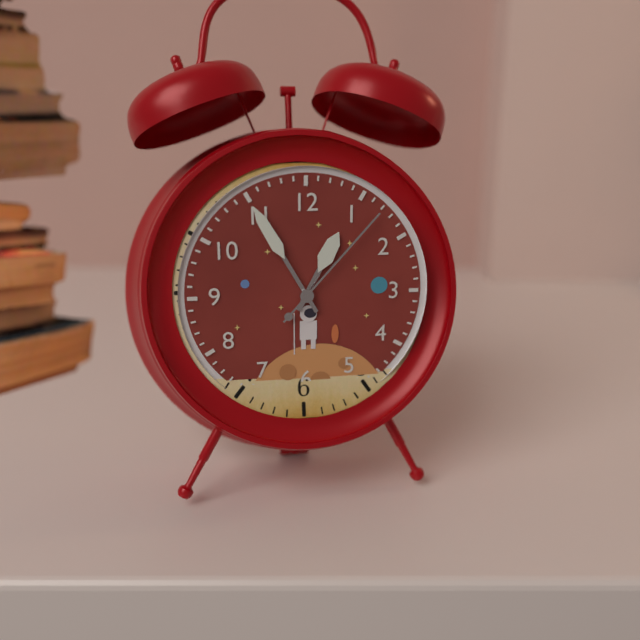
12:55:07
